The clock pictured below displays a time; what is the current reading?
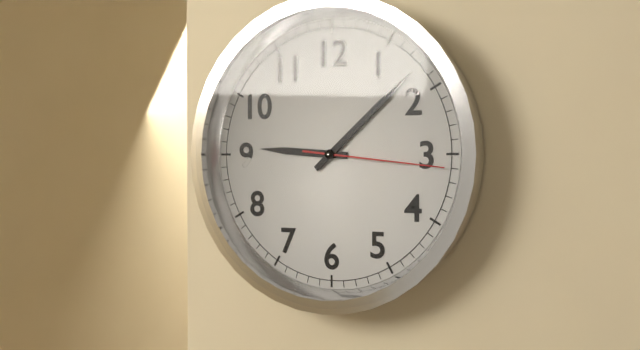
9:08:16
